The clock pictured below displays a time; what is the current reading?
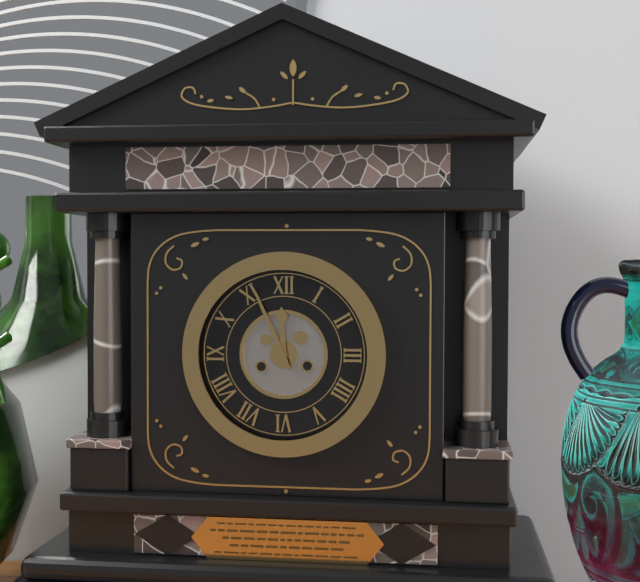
11:56
